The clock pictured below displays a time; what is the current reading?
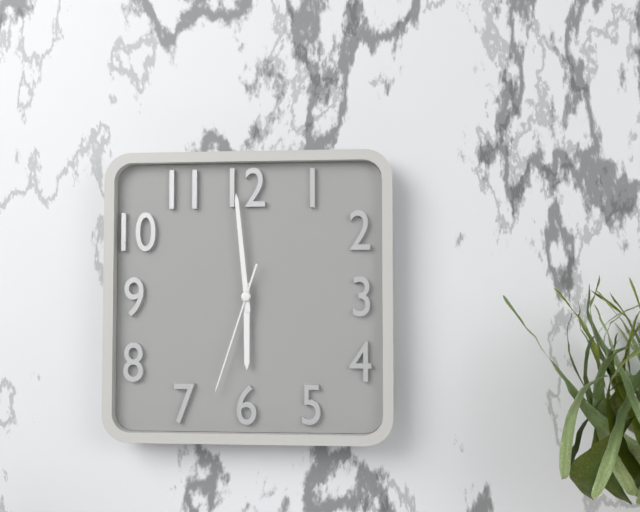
5:59:33
